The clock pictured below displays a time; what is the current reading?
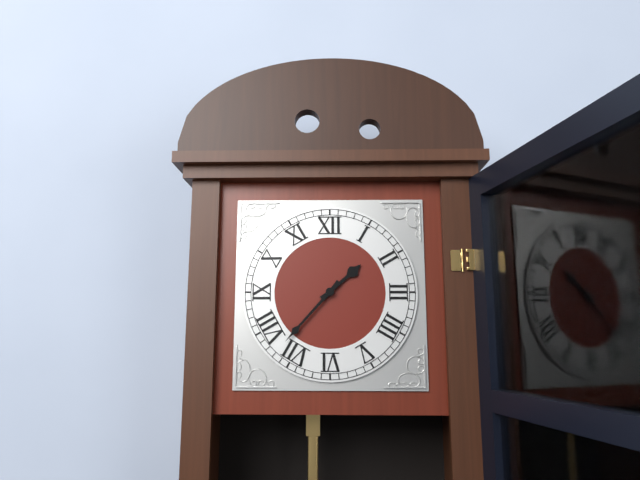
1:37
